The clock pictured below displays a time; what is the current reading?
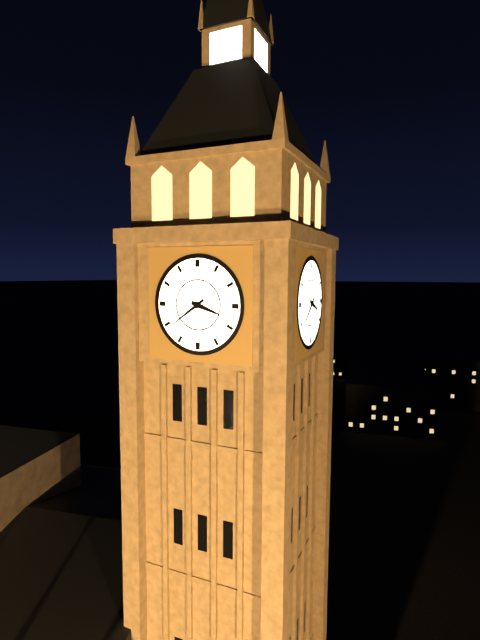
3:39
